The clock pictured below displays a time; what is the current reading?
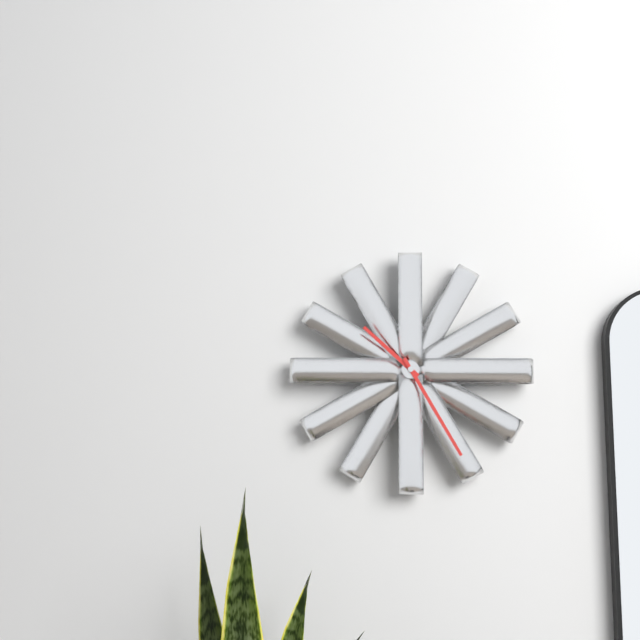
10:25
